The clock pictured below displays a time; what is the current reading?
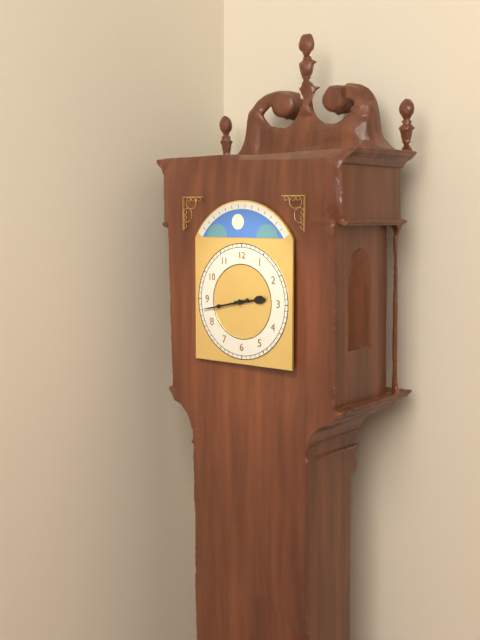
2:43
